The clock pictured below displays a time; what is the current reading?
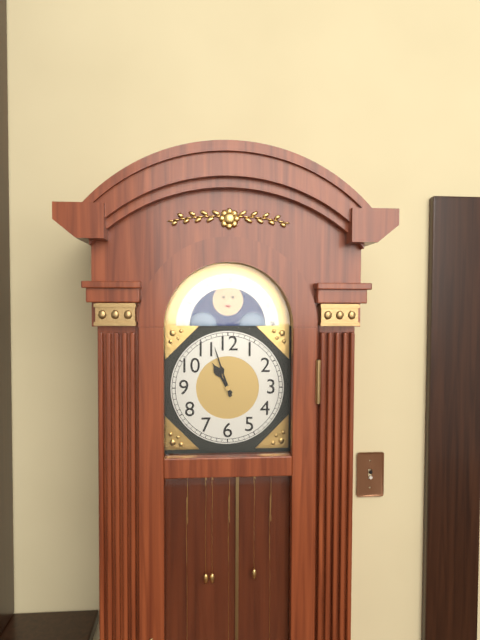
10:57
